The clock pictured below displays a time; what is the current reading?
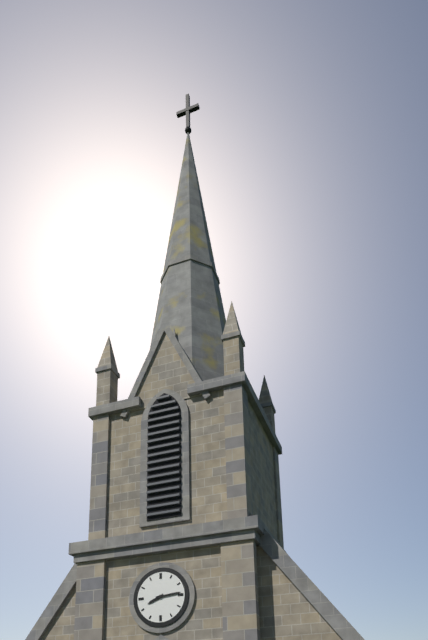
8:14
